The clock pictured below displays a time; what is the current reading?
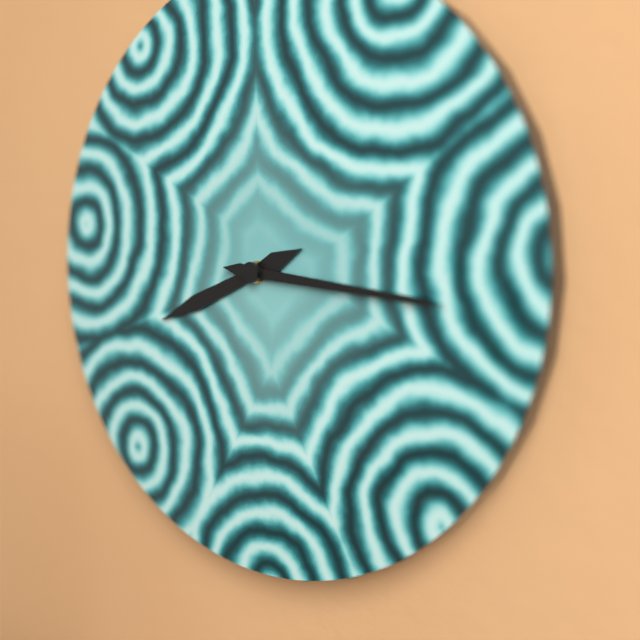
8:16
